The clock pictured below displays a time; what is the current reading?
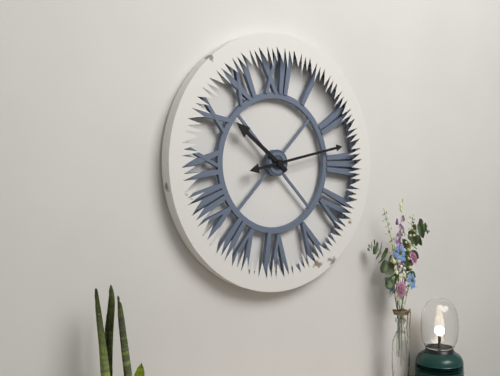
10:13
